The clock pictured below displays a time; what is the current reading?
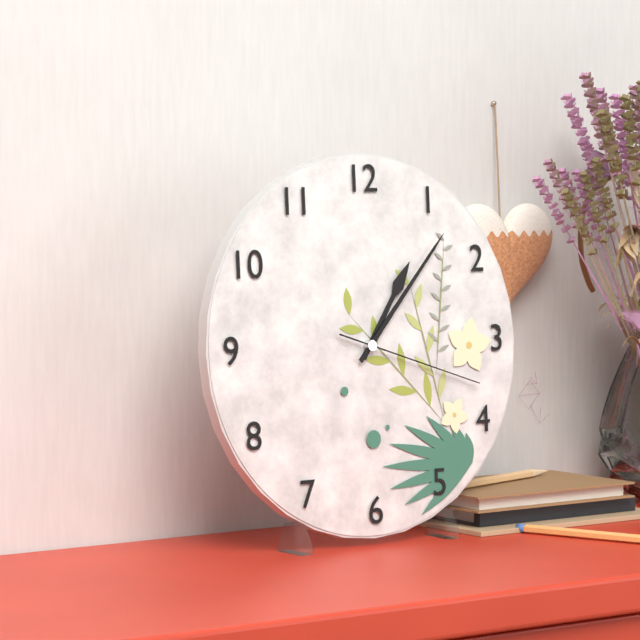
1:07:18
